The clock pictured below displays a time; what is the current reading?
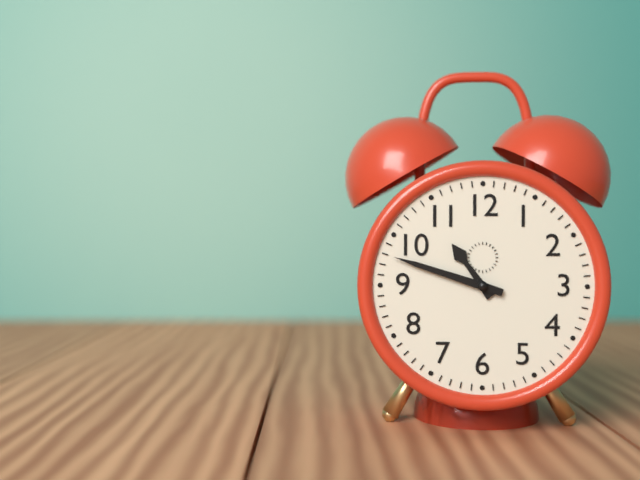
10:48
